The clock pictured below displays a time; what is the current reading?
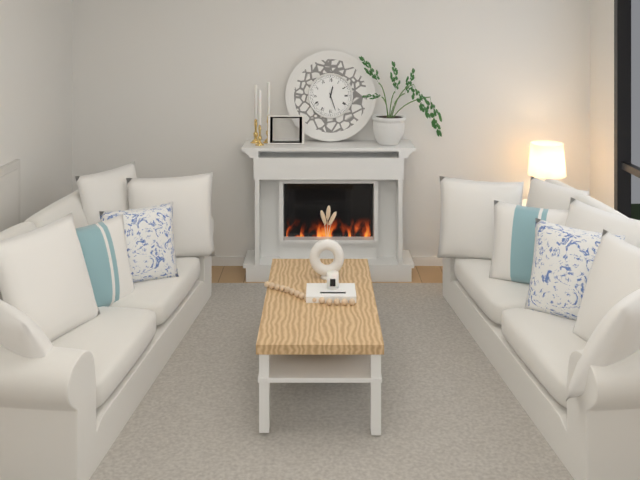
12:27
